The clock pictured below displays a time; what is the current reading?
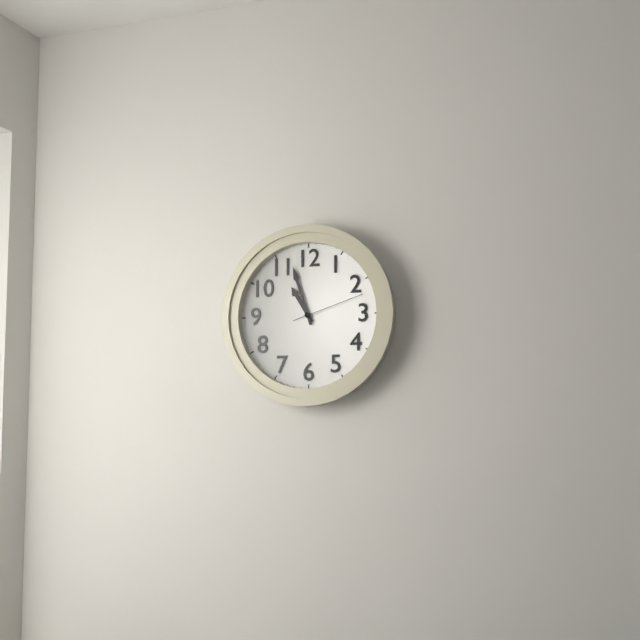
10:57:12
